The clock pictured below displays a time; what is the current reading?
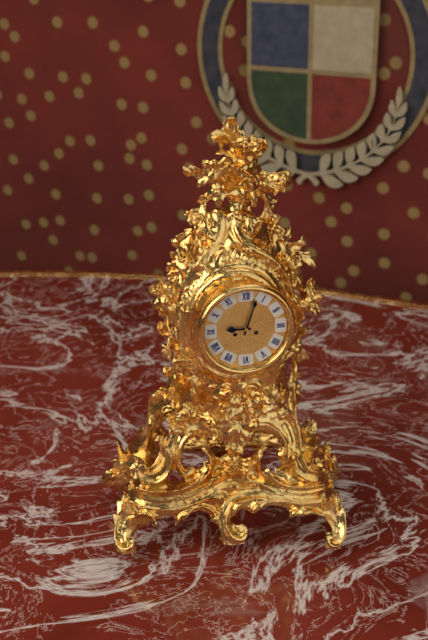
9:03
